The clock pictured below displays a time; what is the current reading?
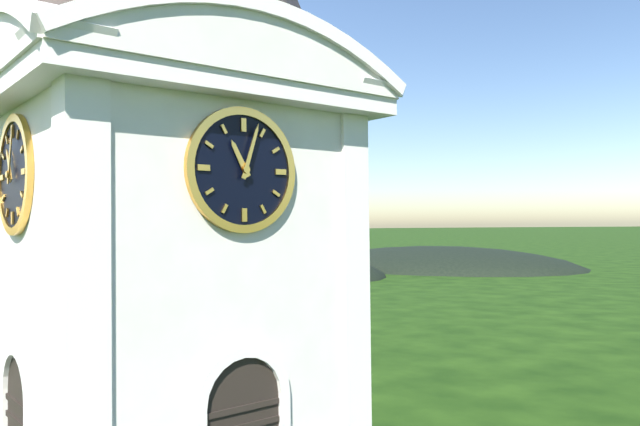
11:03
